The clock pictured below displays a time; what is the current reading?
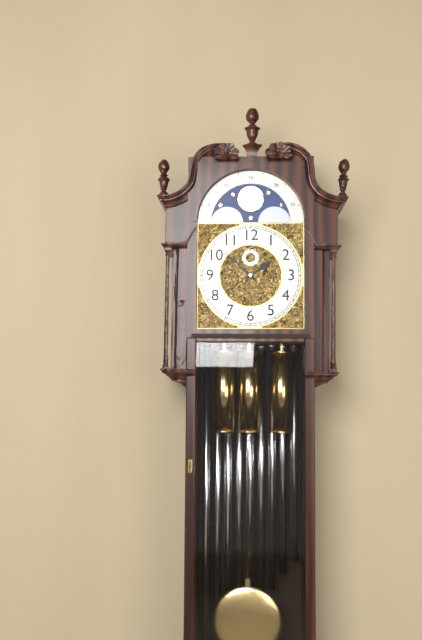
1:52
